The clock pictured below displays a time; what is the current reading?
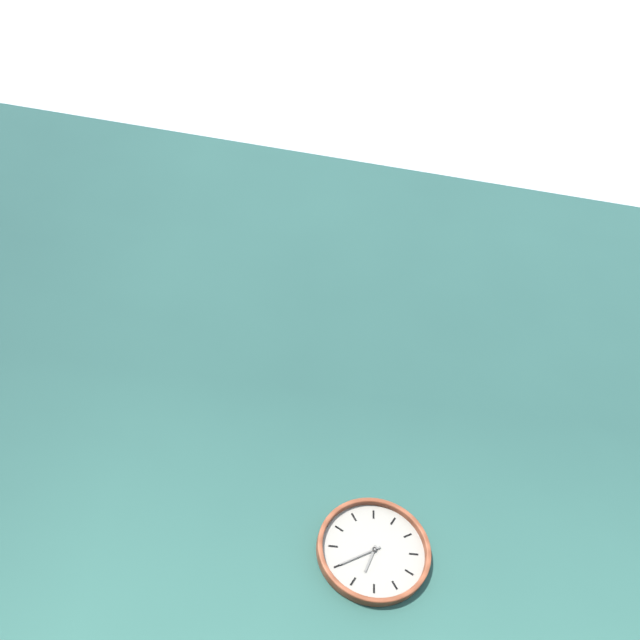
6:40
